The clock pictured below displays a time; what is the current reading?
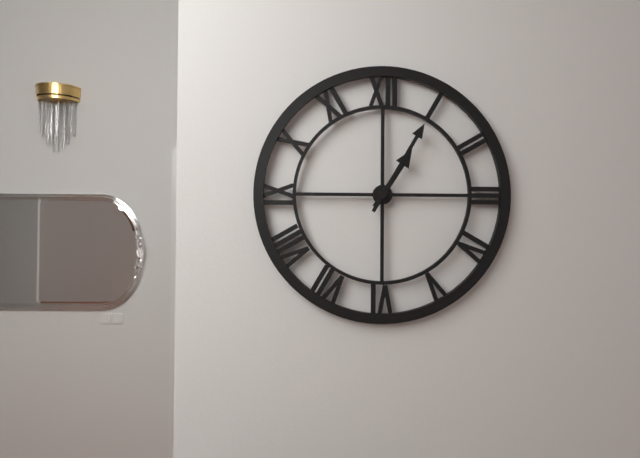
1:05
